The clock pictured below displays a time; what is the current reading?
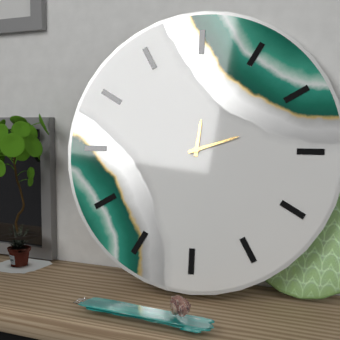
12:12
